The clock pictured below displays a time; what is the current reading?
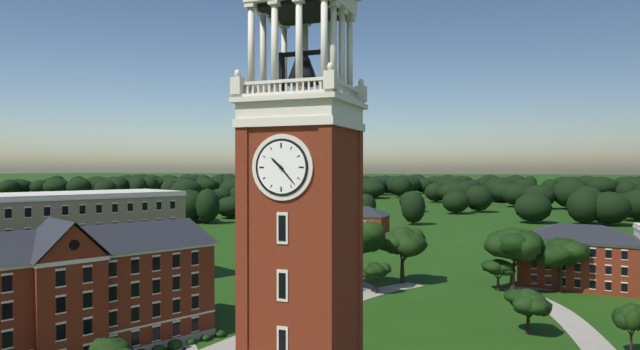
10:23
